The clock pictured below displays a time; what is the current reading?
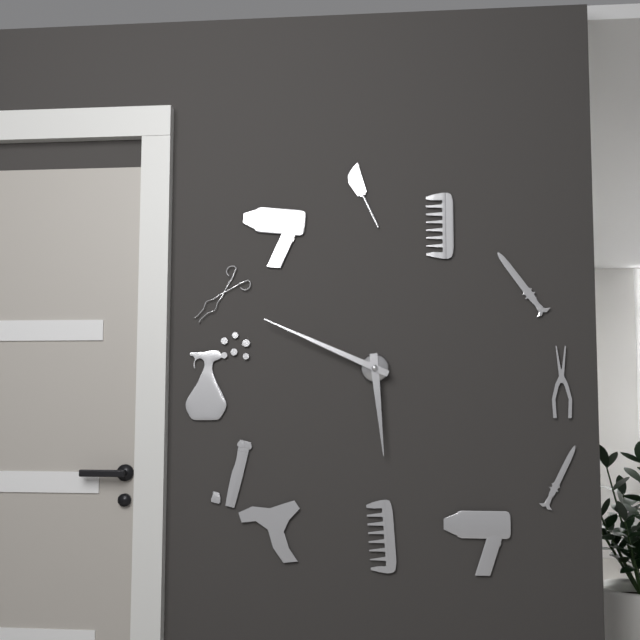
5:49
